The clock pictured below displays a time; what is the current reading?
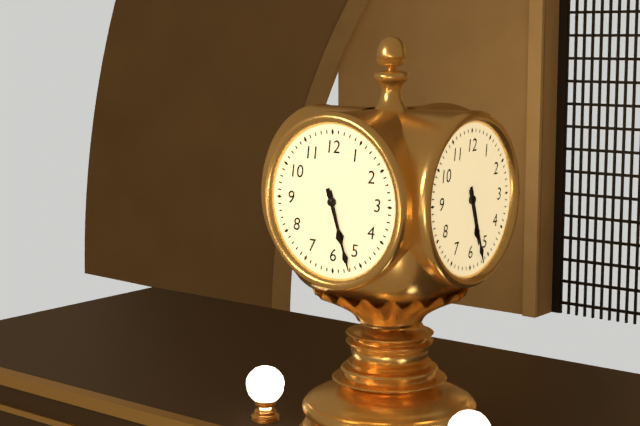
5:27
